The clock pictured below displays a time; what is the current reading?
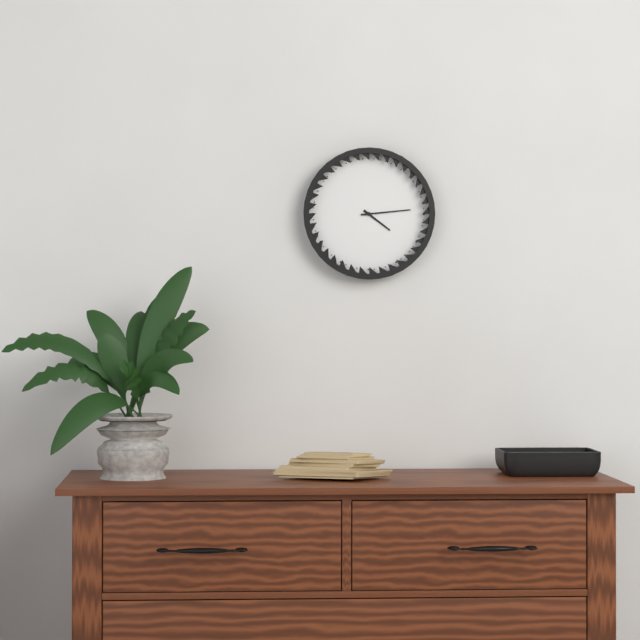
4:14
